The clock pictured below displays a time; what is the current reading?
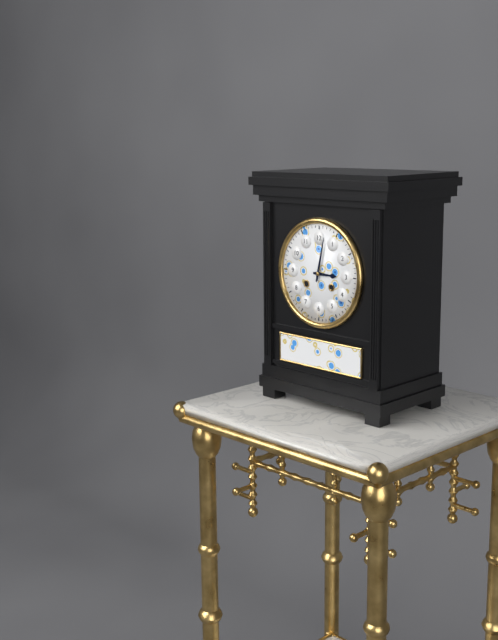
3:02
